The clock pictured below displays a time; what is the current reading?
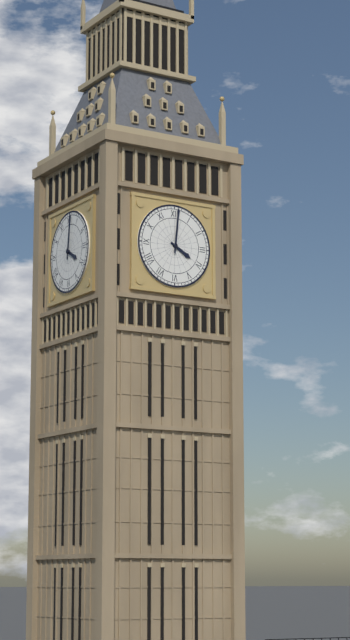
4:01
